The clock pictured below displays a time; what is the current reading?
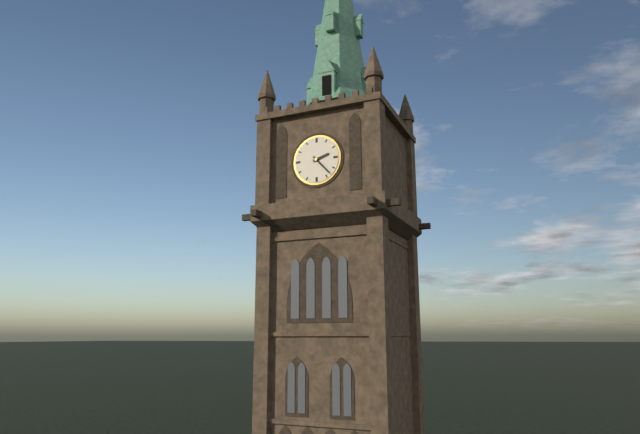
2:23
